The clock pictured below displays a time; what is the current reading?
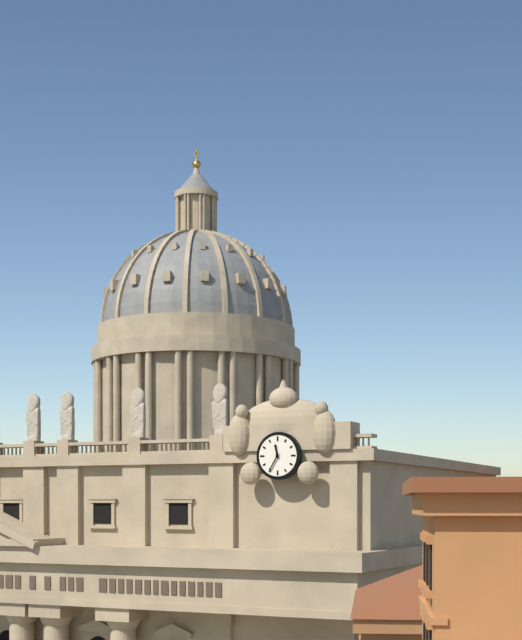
11:35
